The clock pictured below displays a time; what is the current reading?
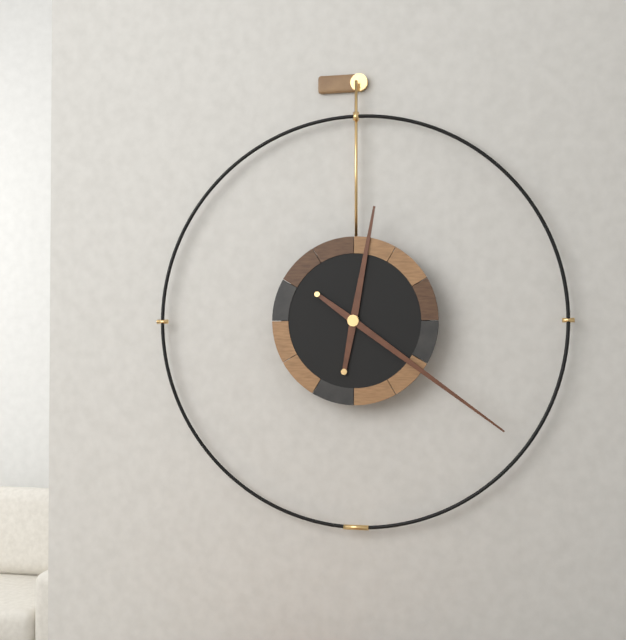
12:21
